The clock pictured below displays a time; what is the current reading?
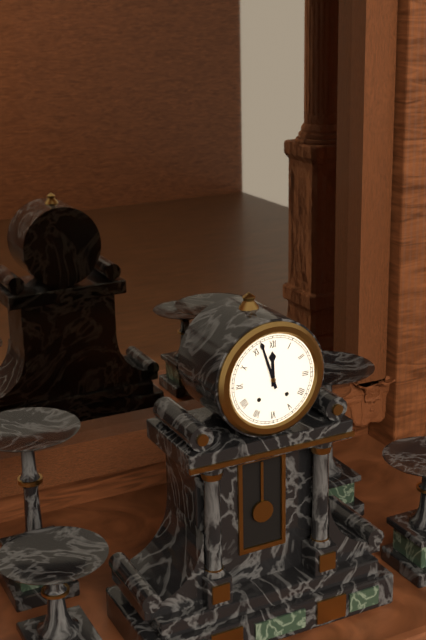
11:57
